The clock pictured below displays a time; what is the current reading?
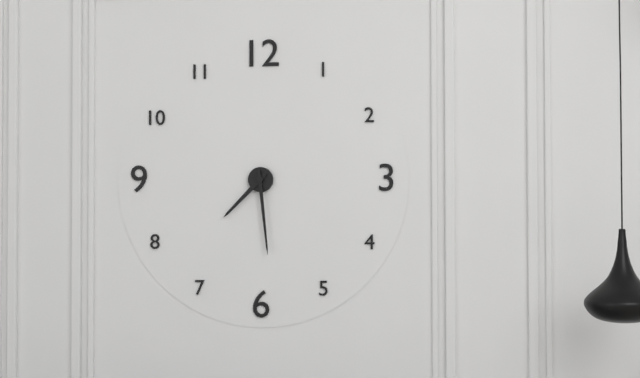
7:29
